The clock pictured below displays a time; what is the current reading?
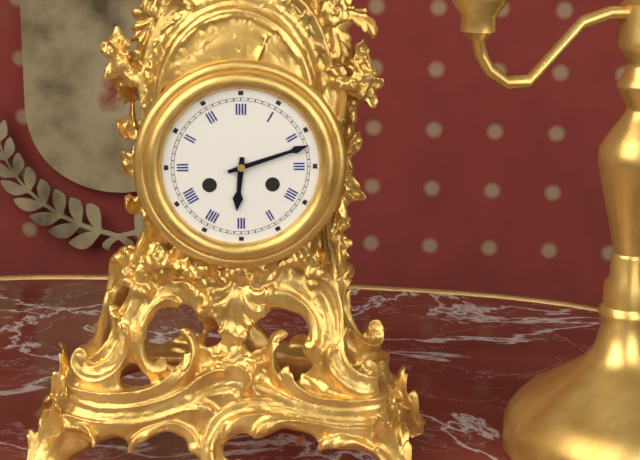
6:12
